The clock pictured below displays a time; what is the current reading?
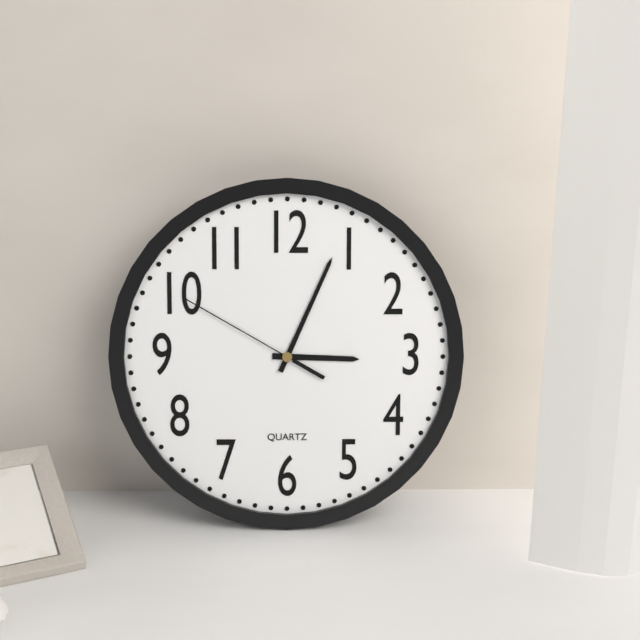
3:04:50
